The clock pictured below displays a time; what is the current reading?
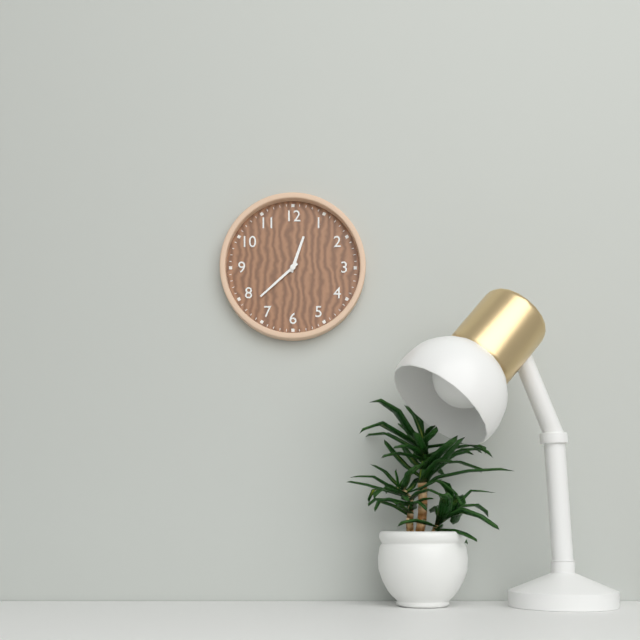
12:38
